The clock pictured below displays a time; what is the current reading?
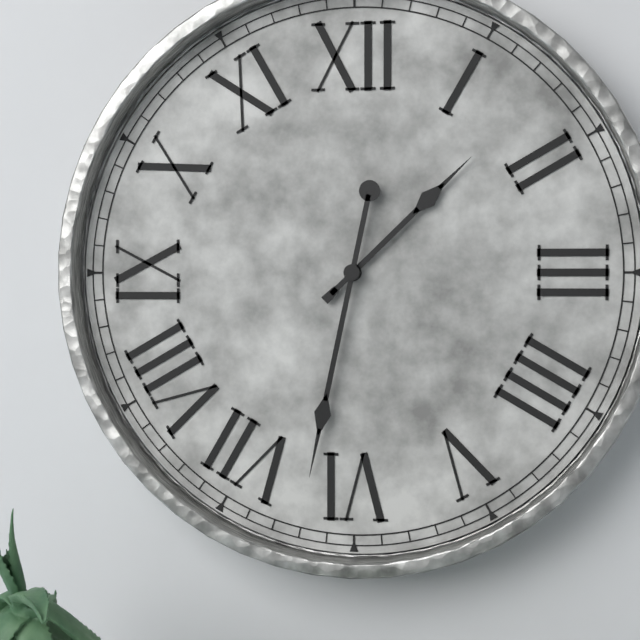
1:32
